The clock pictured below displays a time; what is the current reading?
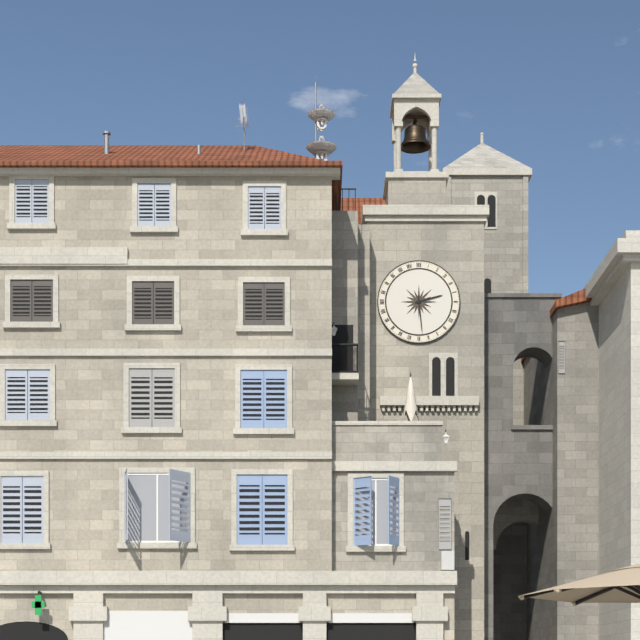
2:29
